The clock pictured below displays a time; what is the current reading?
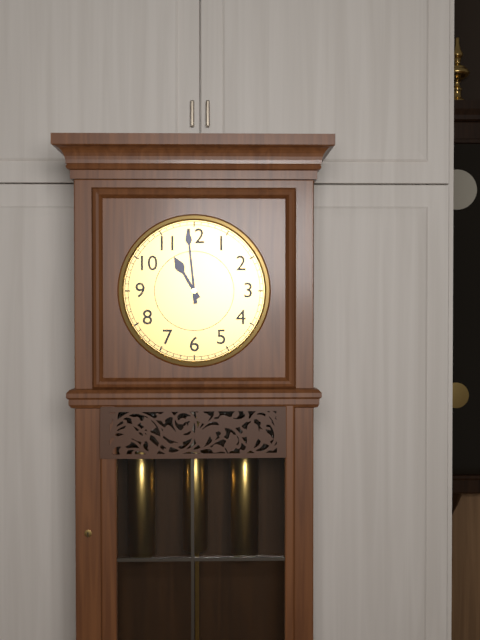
10:59
